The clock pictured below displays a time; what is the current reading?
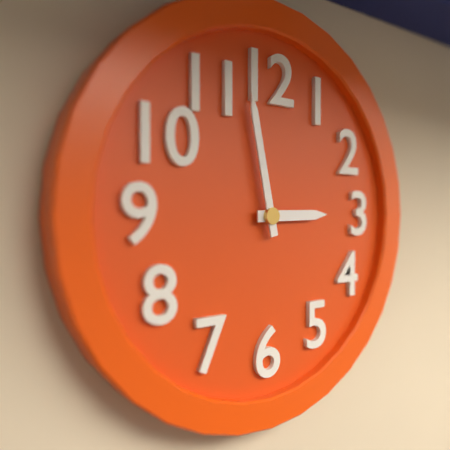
2:58
